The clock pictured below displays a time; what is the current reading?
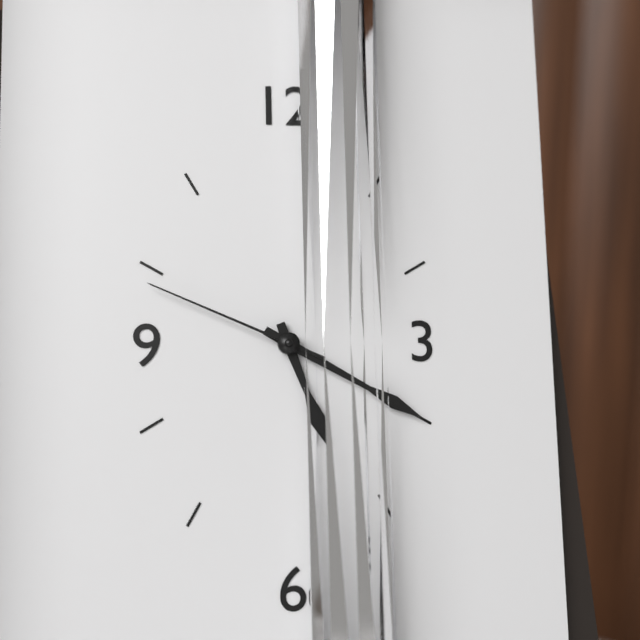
5:20:49
